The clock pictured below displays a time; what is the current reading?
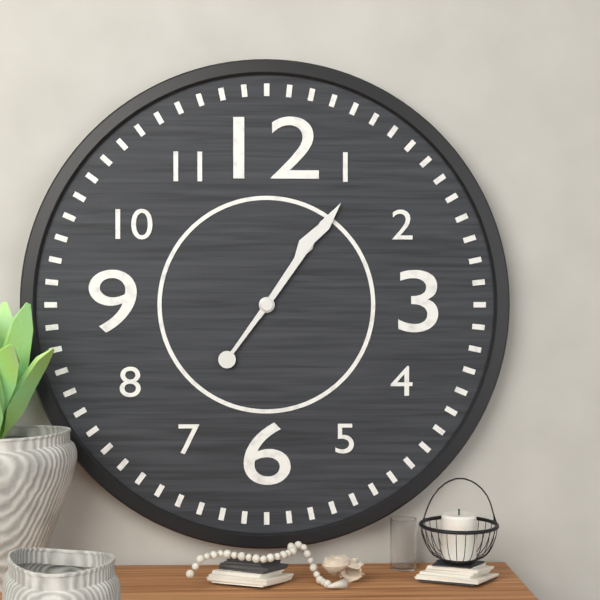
1:06
